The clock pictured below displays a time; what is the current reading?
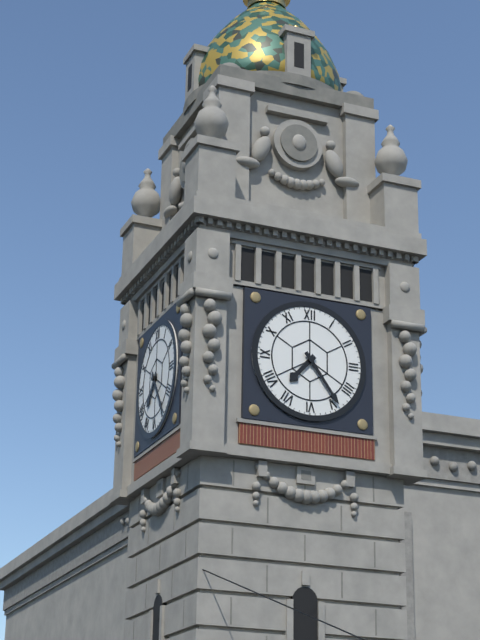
7:24
